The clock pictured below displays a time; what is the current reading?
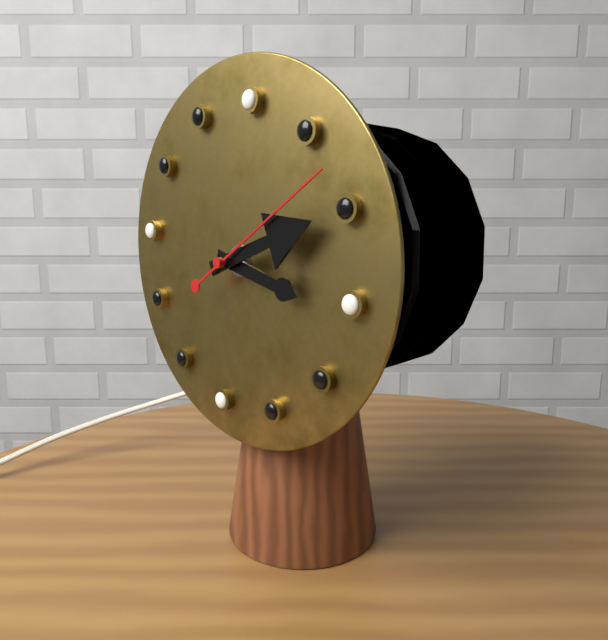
3:10:08
